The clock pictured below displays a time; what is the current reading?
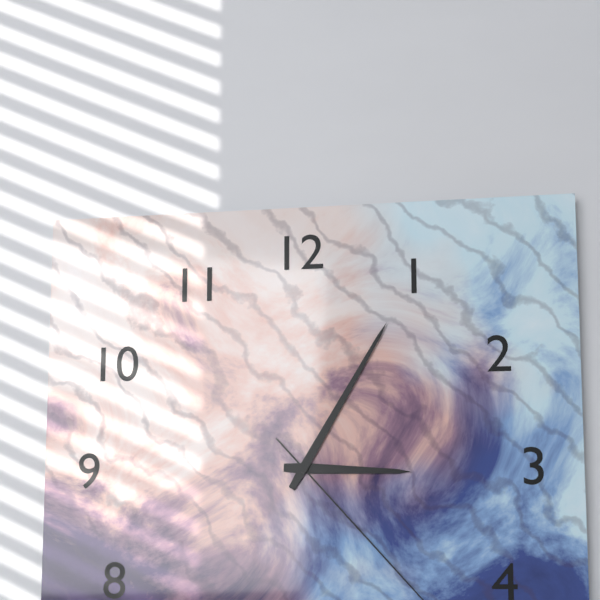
3:05
